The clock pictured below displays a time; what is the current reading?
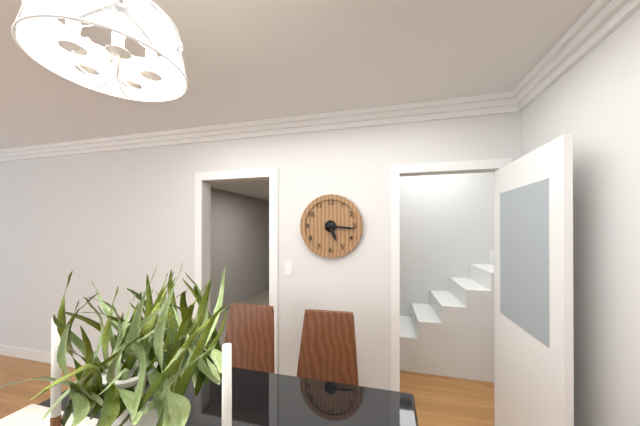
5:16
